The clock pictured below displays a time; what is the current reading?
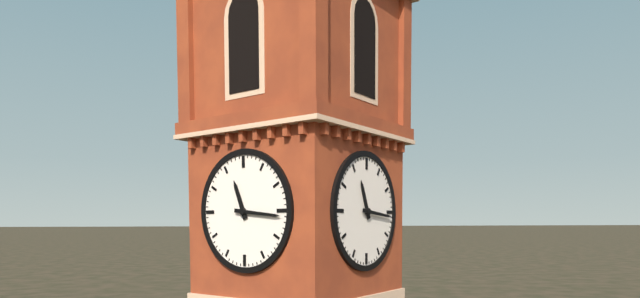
11:16
